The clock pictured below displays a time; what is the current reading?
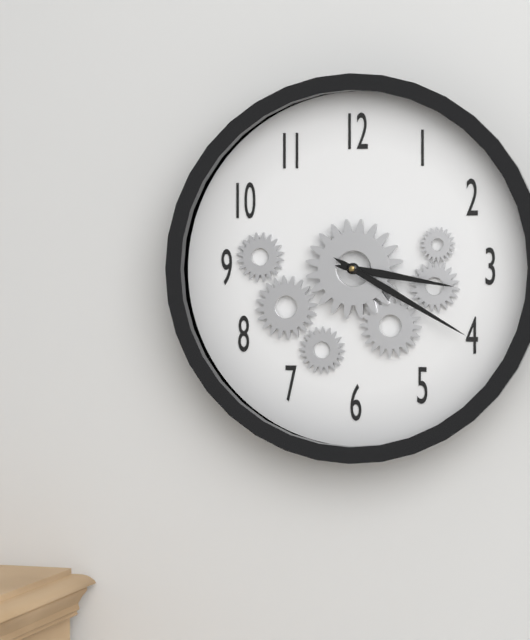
3:20
